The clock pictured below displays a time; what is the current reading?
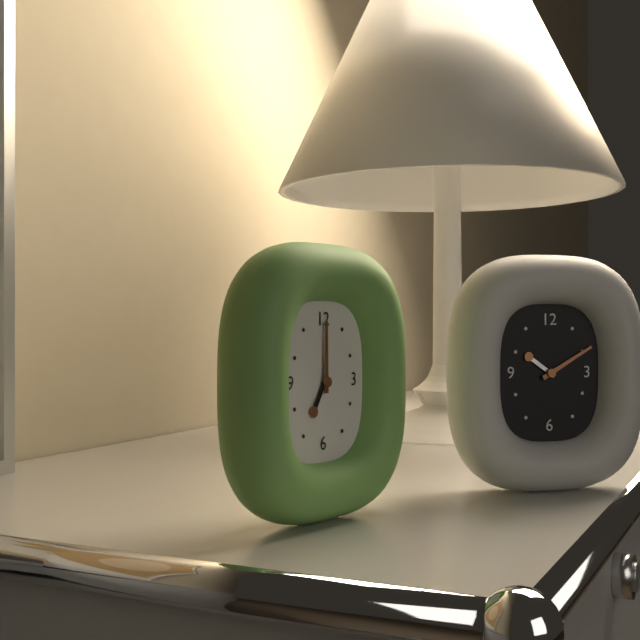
7:00
